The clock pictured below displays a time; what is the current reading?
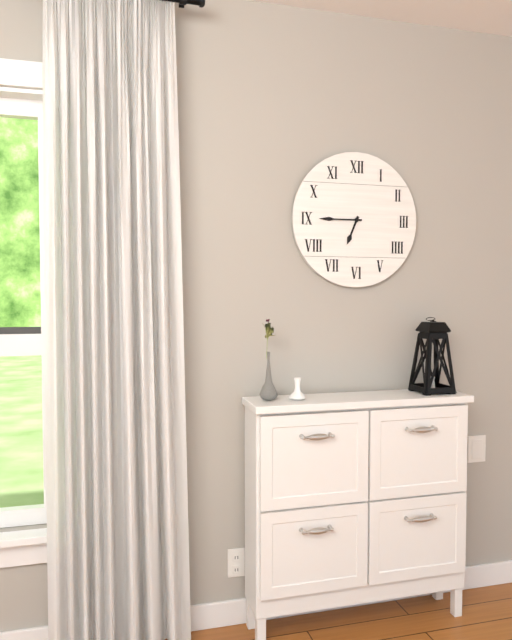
6:45
